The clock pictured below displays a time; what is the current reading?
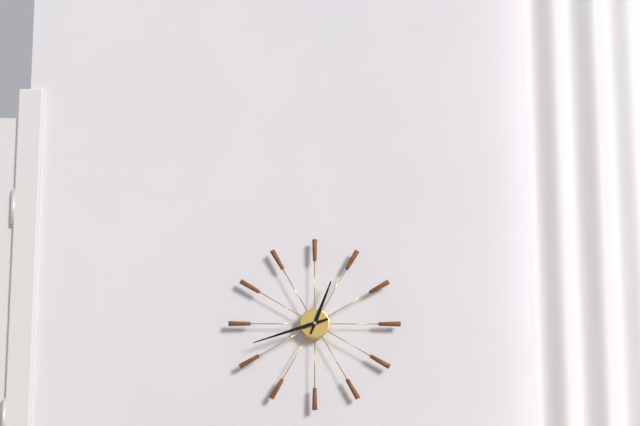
12:42
